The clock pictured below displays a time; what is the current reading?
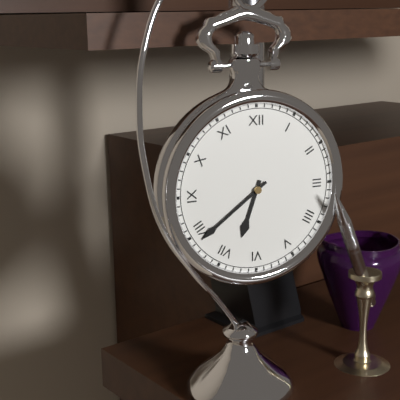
6:39
